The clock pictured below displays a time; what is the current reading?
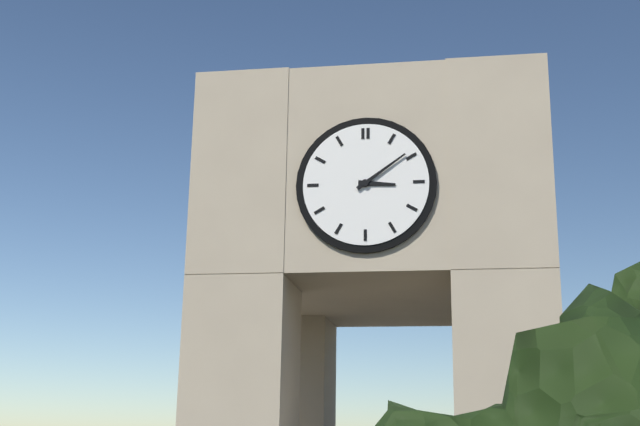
3:09
